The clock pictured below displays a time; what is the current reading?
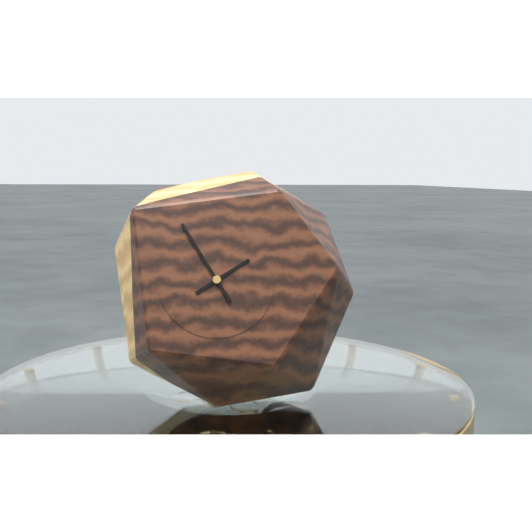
1:55
